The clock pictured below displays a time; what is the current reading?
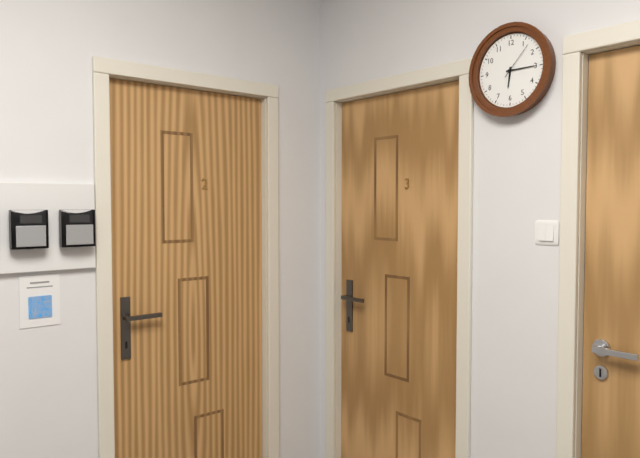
6:15
